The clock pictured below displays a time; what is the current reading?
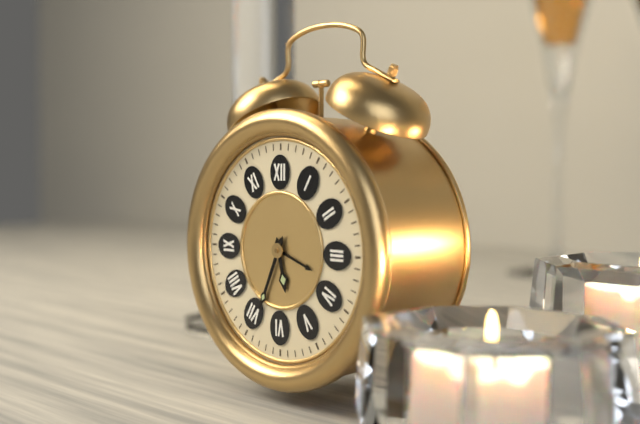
5:34
